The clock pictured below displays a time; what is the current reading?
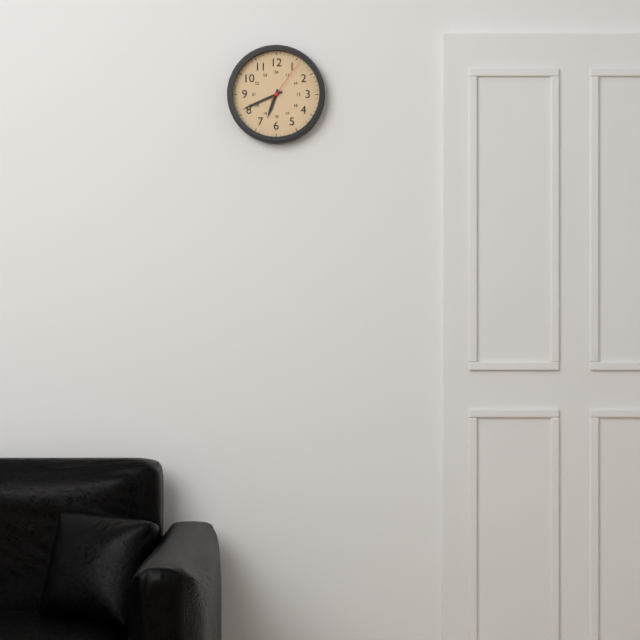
6:41
